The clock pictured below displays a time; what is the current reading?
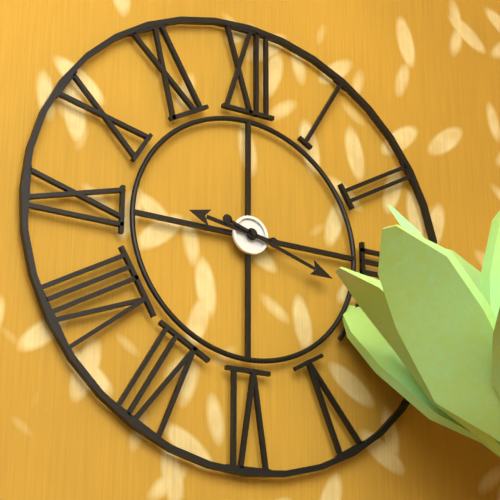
9:18
